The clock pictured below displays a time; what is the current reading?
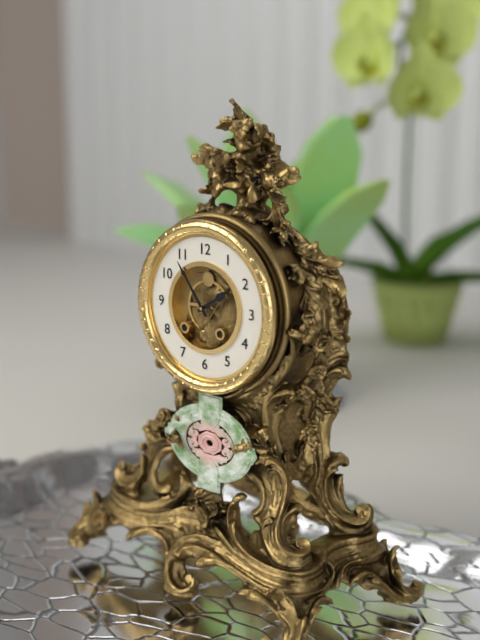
1:54
